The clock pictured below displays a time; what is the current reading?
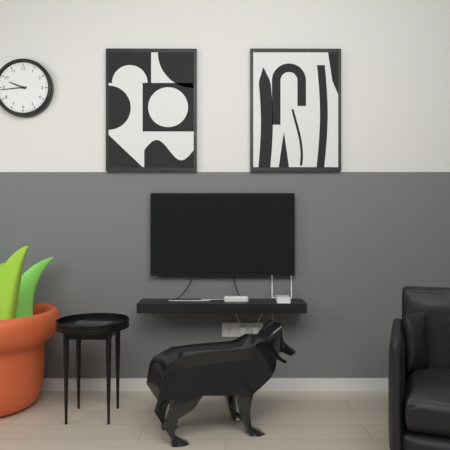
9:44
